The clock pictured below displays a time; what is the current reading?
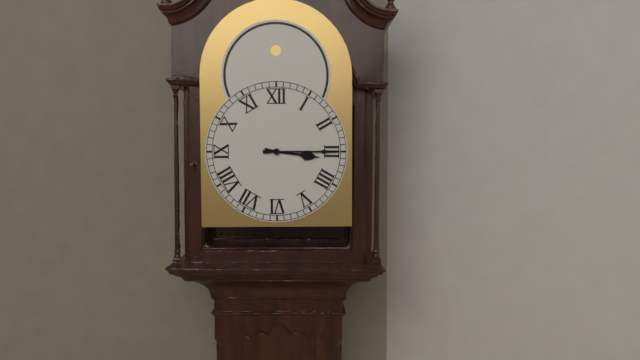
3:15
